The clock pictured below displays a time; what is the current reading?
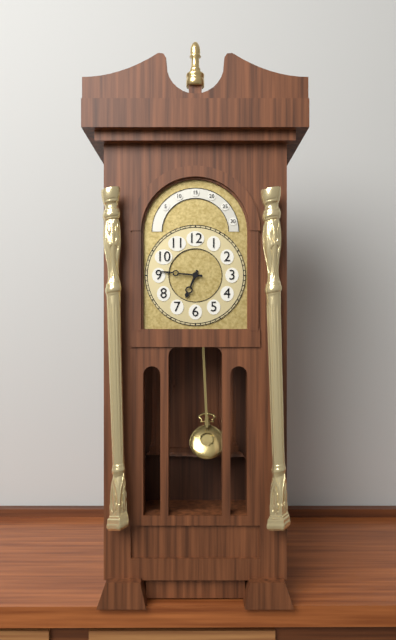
6:46
